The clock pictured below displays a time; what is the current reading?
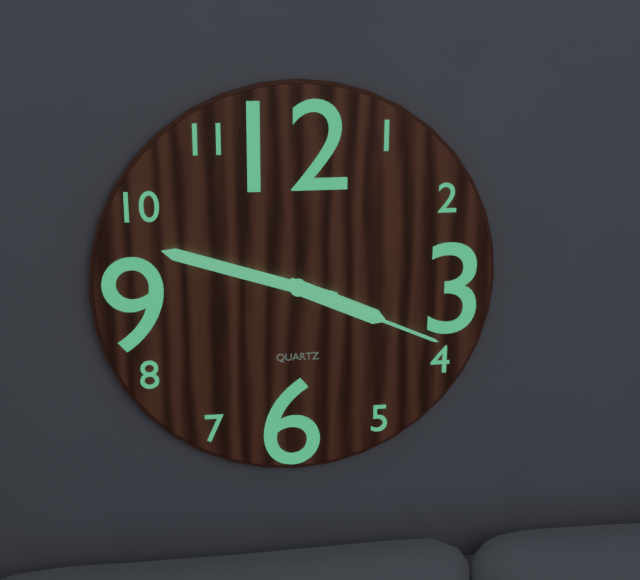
3:48:19
